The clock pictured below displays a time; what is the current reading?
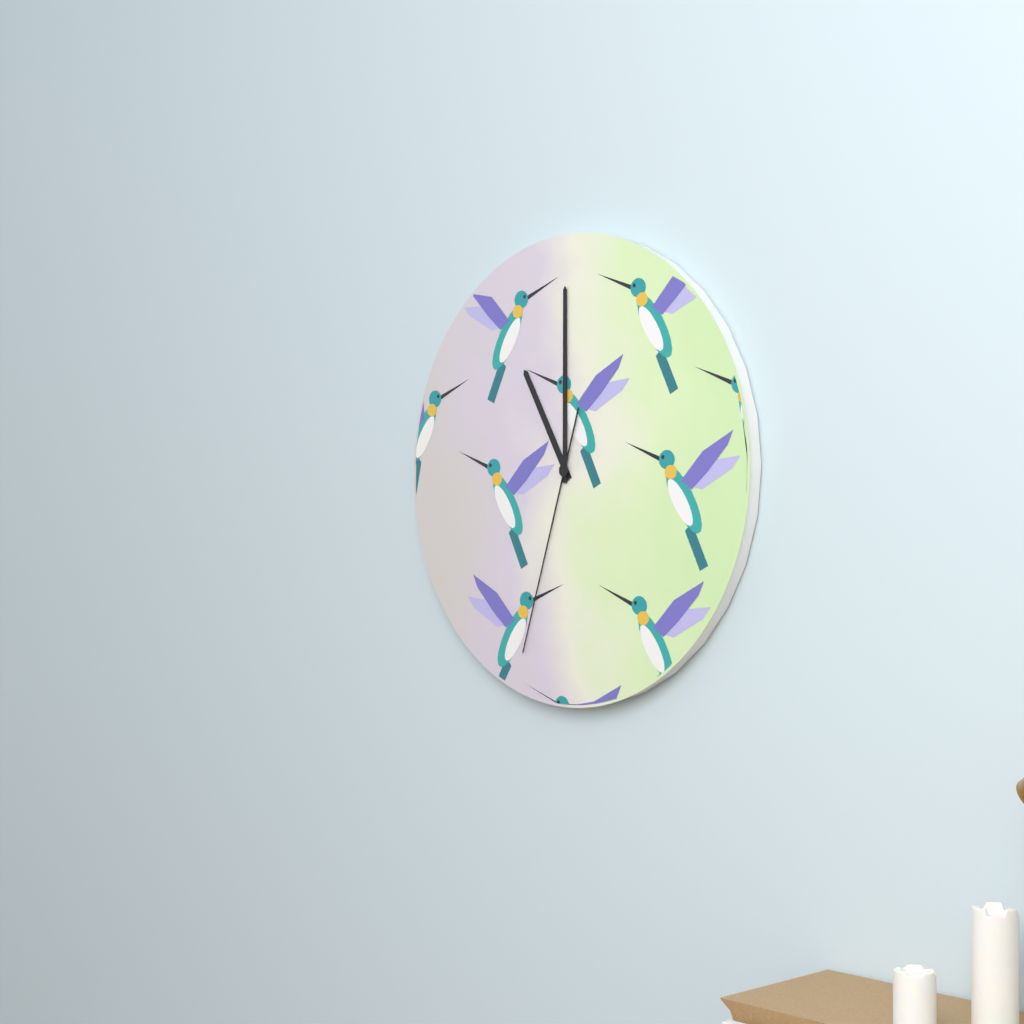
11:00:33
